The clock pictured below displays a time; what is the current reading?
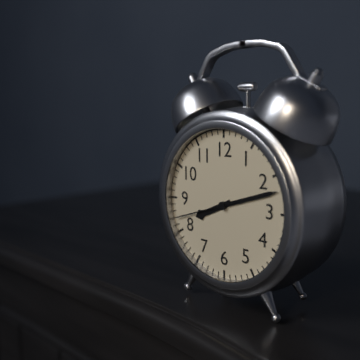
8:12:42
